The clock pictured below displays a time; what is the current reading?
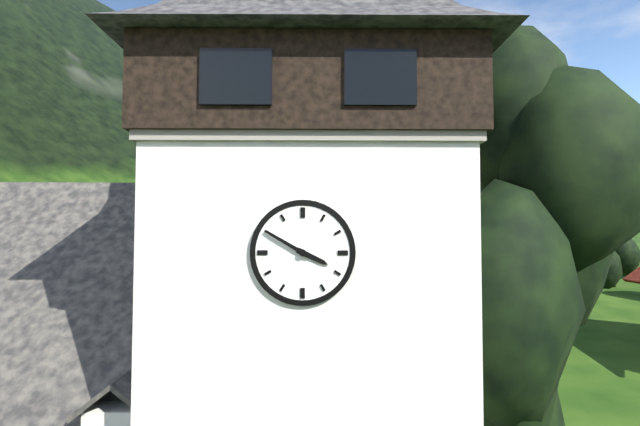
3:50
